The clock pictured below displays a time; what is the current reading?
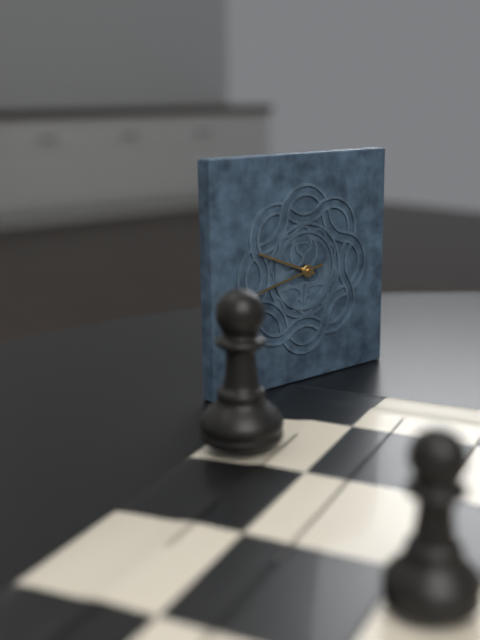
9:43
